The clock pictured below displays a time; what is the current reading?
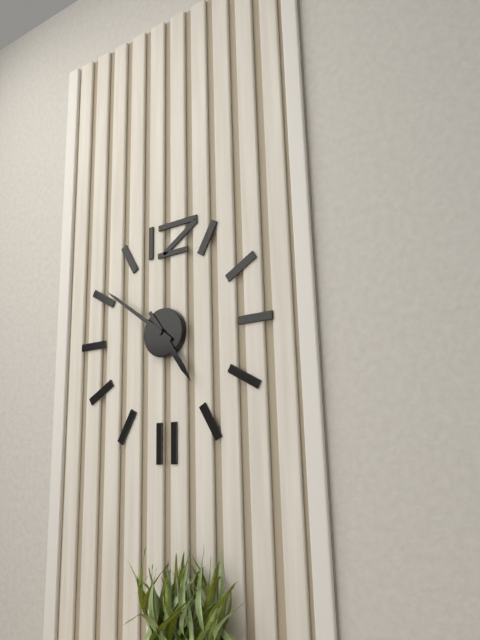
4:51
